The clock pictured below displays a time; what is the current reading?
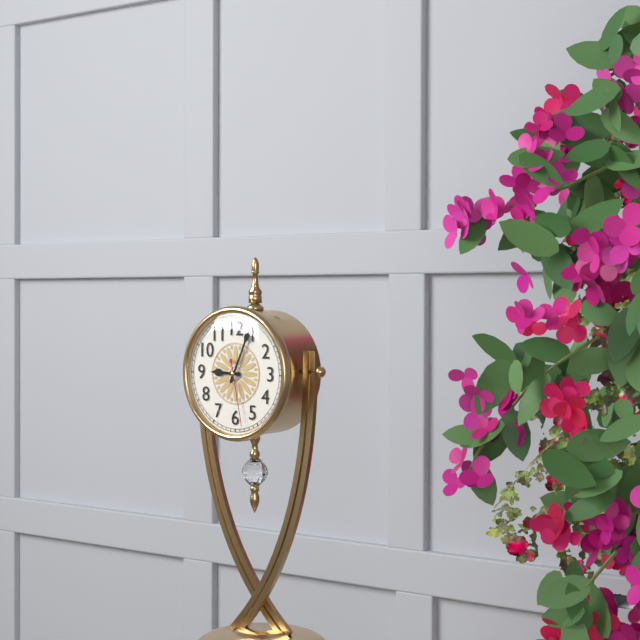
9:04:28
